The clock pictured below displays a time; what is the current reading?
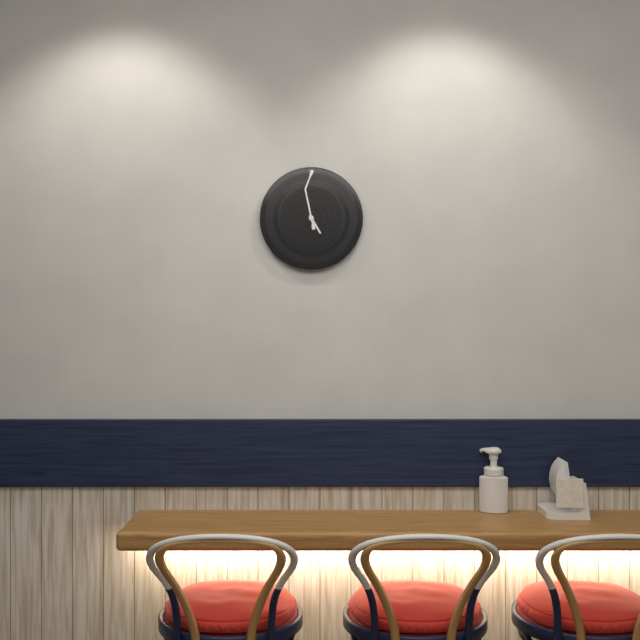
4:58
